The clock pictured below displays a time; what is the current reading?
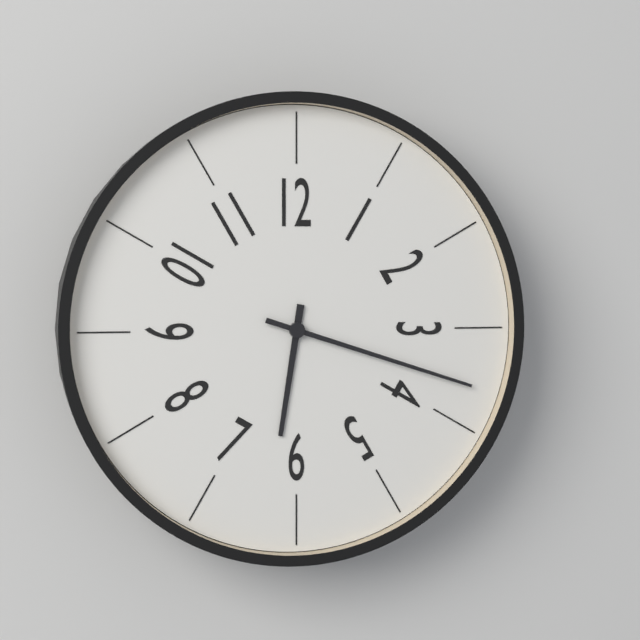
6:18
